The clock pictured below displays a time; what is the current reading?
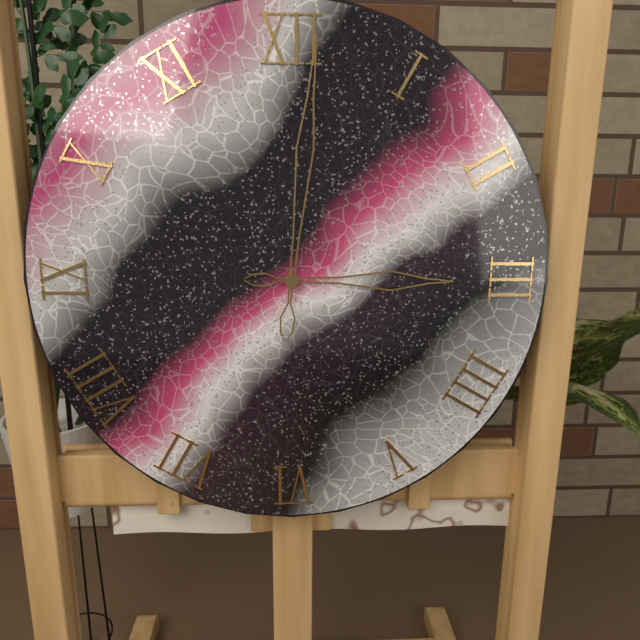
3:01
